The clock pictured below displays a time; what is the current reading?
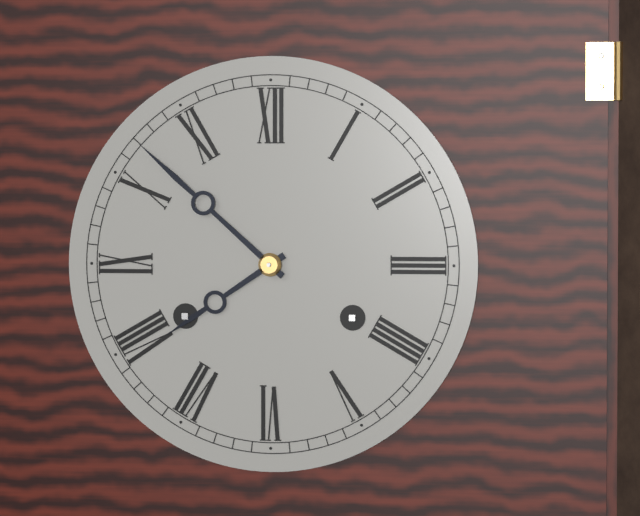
7:52
